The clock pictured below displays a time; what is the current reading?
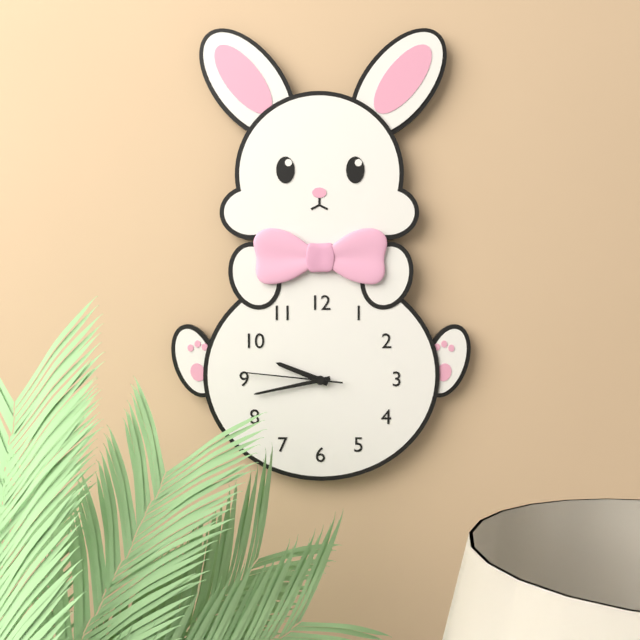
9:43:46
